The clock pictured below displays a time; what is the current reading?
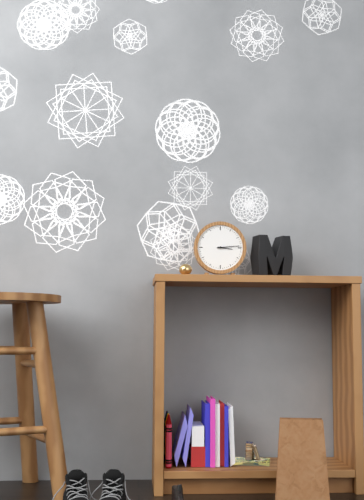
3:14
